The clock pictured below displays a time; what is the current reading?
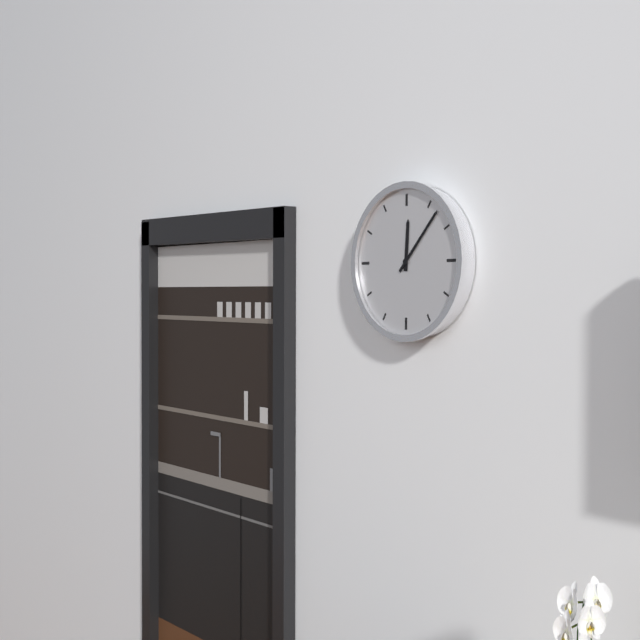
12:07
